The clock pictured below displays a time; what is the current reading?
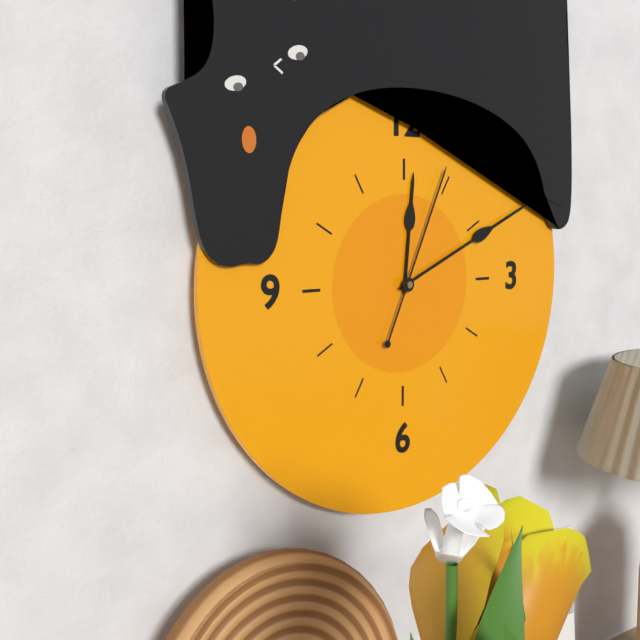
12:11:04
